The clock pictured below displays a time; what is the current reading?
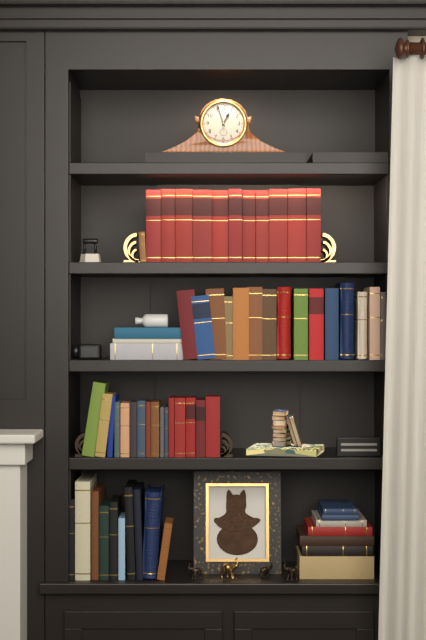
12:57
